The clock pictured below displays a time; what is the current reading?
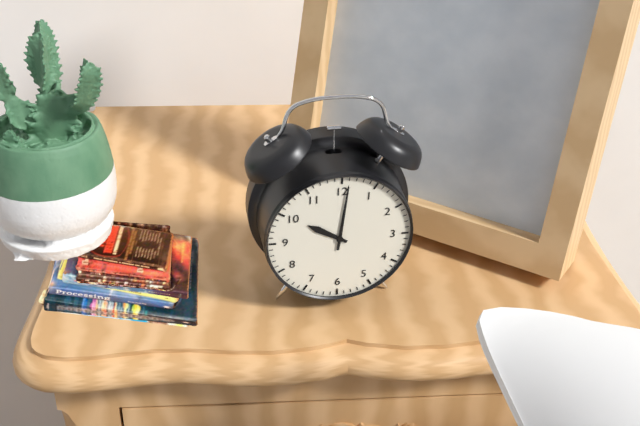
10:01
